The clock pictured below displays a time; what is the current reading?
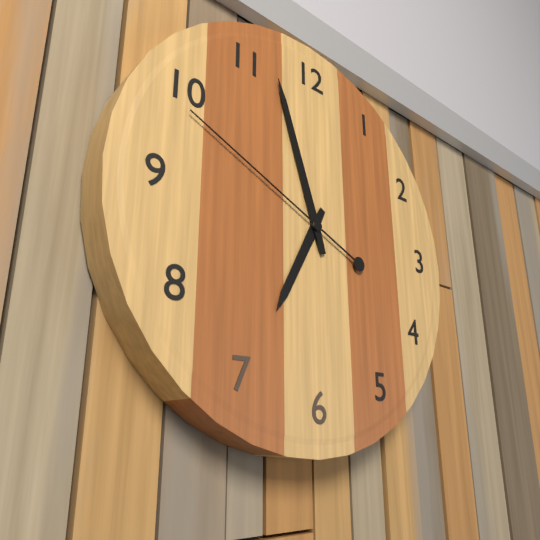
6:57:49
